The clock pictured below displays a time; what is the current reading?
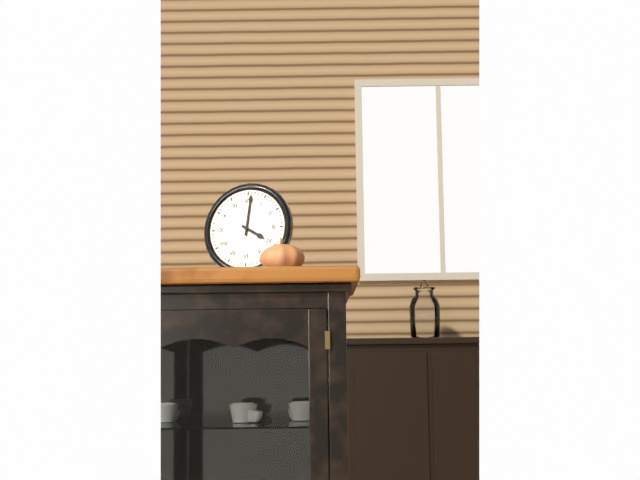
4:01
